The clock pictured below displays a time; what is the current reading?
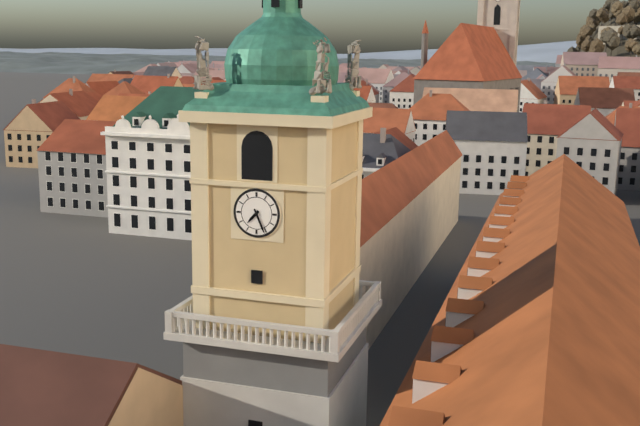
7:26
